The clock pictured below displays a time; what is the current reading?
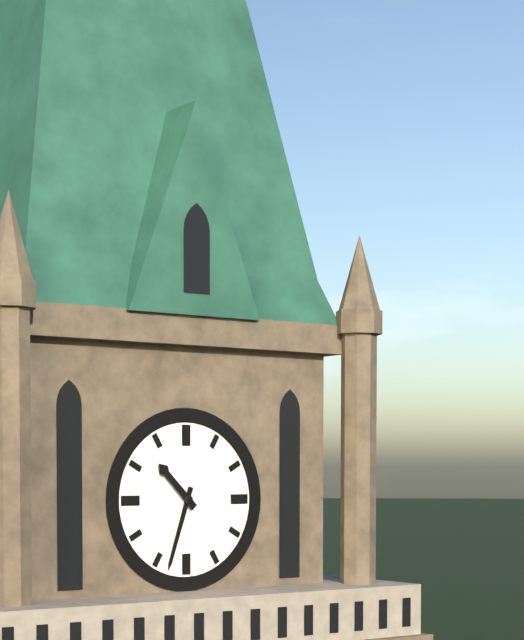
10:33
